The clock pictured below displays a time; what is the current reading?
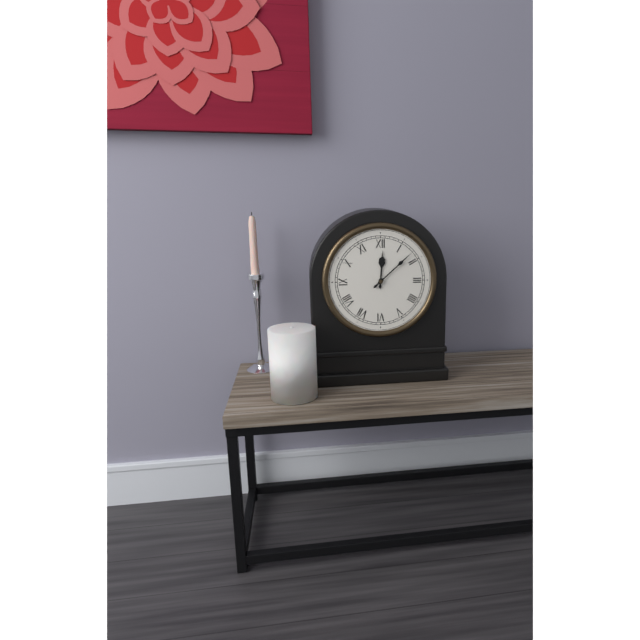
12:08
